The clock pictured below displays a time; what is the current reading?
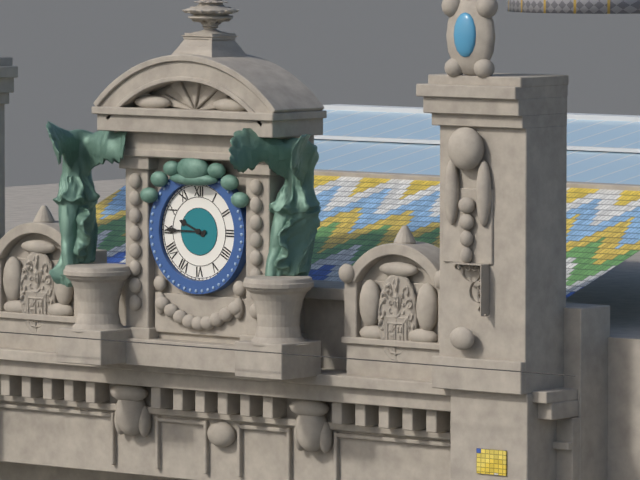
9:45
